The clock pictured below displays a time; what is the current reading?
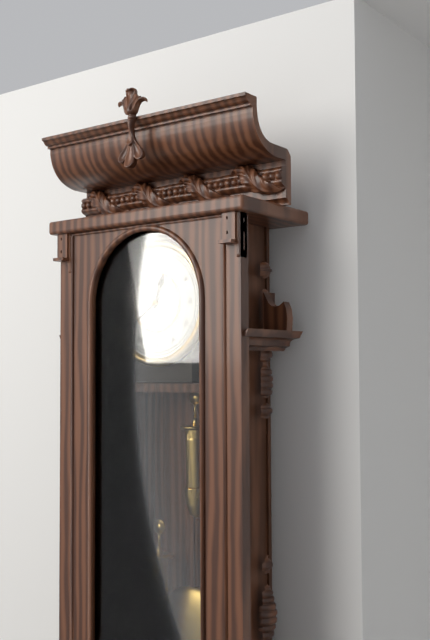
12:39
